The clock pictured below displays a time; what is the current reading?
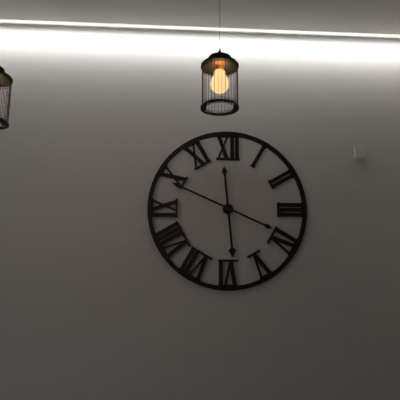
5:49
